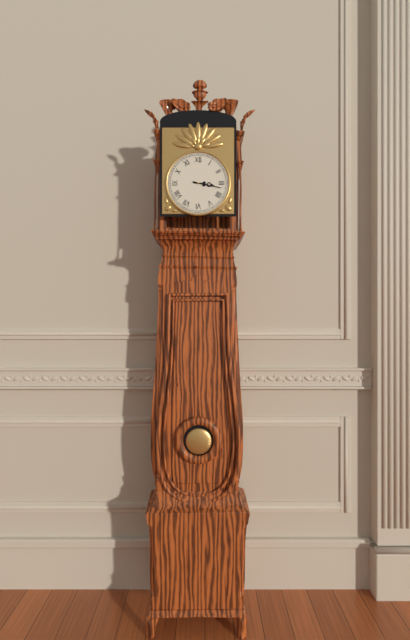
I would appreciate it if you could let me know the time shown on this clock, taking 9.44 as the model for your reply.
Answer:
3.17
